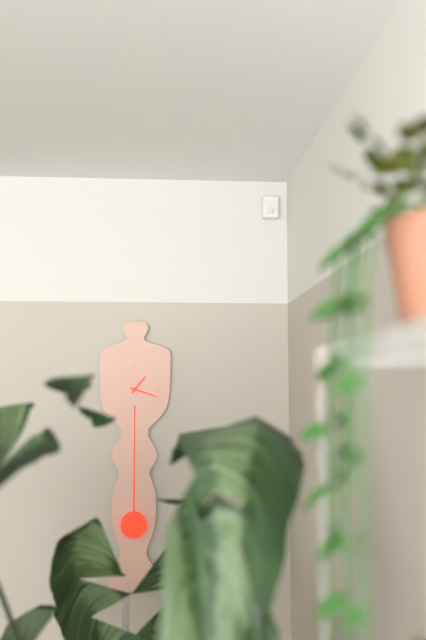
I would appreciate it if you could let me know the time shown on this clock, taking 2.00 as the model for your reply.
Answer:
1.18
